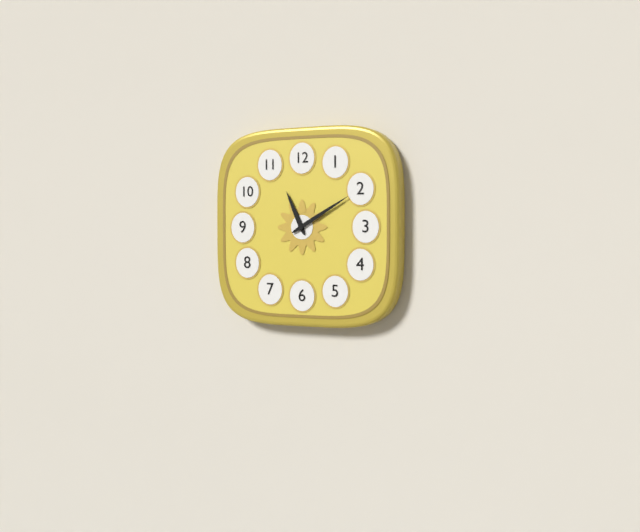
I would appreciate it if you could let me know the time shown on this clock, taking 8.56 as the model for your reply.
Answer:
11.10
